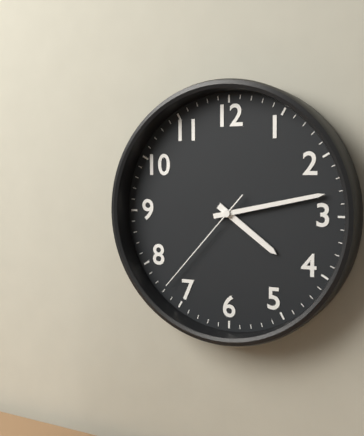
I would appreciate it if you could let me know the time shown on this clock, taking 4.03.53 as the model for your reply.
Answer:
4.13.37
